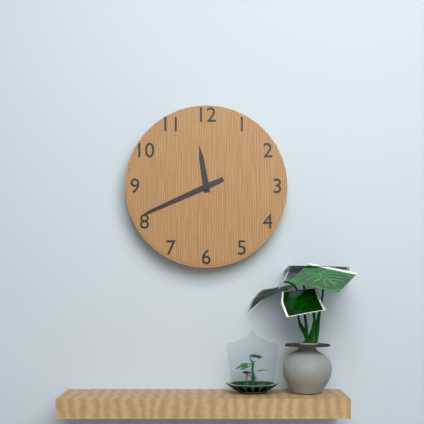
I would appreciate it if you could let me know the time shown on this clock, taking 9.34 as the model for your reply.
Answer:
11.41
